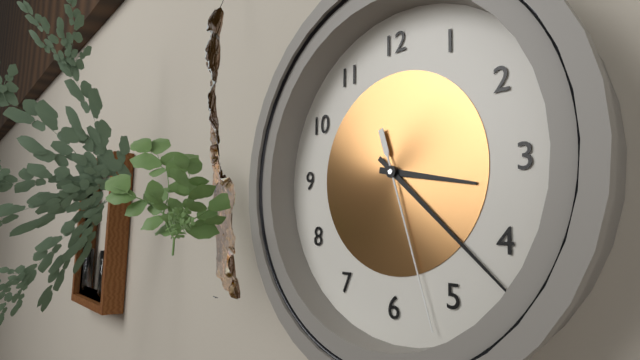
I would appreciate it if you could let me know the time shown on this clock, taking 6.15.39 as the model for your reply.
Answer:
3.22.27
